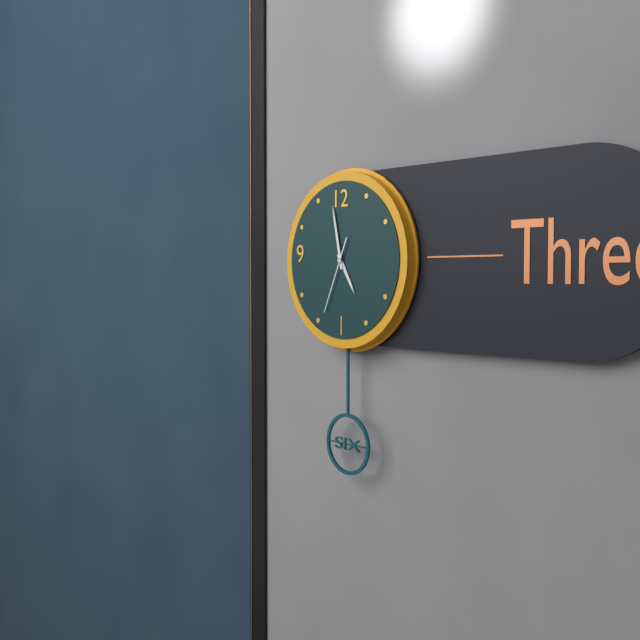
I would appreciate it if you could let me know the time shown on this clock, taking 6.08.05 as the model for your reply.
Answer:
4.58.34
